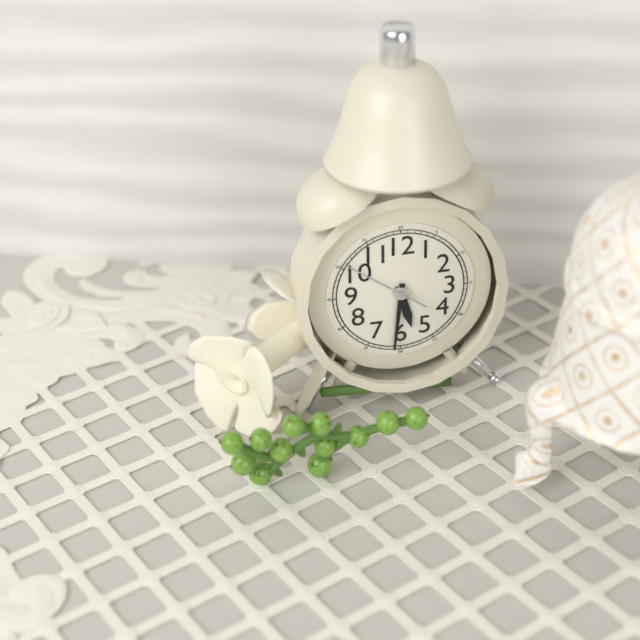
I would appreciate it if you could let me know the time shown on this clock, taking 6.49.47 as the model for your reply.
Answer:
5.31.51
